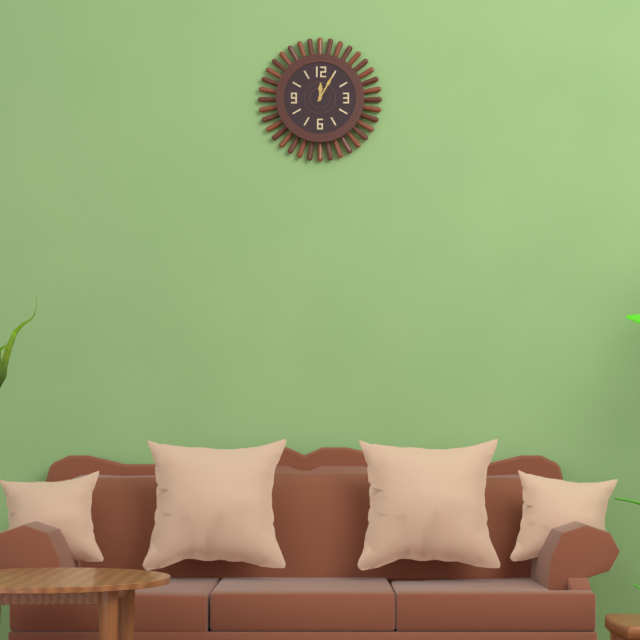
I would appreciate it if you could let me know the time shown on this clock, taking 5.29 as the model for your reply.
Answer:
12.05
